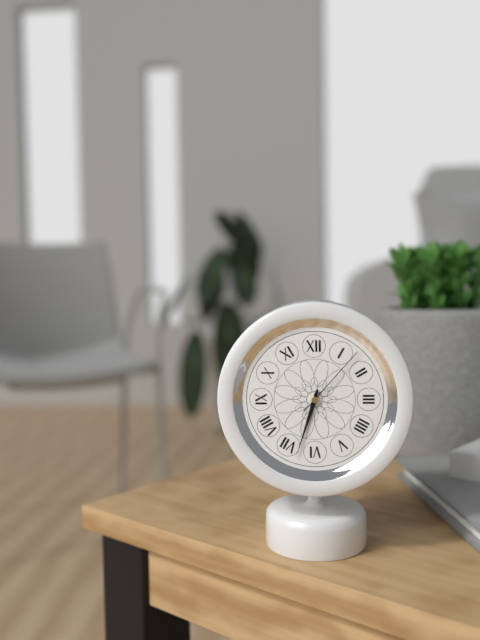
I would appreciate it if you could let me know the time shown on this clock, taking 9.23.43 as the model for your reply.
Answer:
6.33.07
